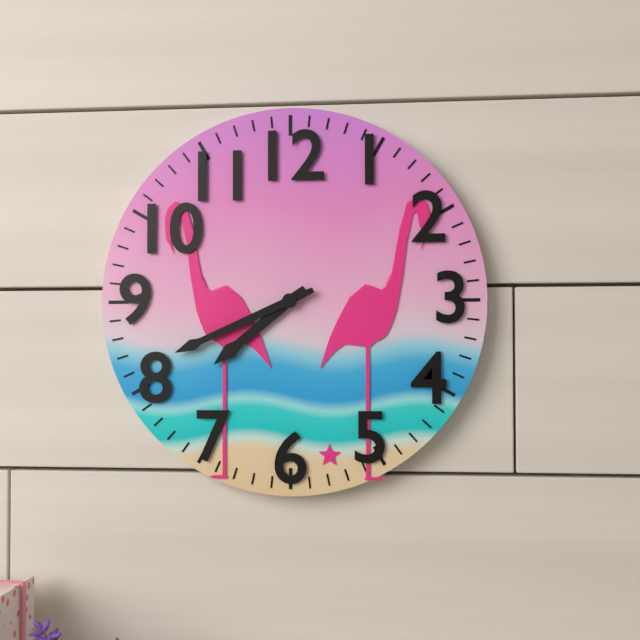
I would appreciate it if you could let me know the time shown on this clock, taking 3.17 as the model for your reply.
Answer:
7.41
